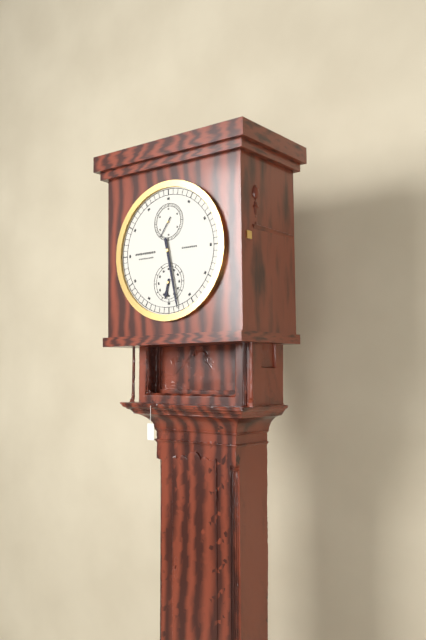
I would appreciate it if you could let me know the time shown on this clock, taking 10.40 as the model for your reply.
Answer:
6.28
